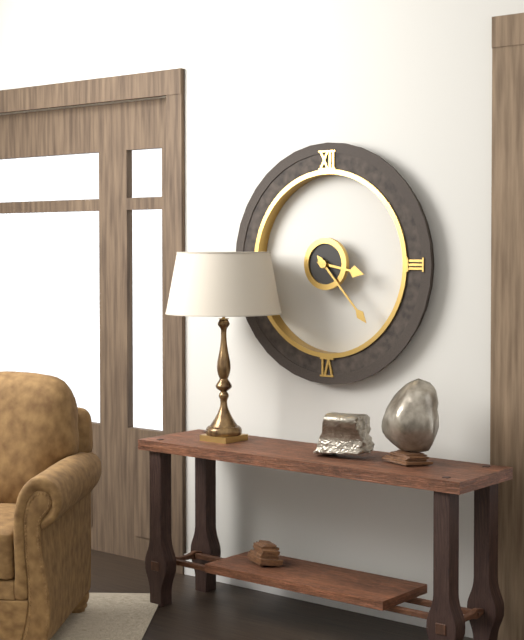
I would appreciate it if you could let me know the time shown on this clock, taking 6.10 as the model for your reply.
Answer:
3.23
